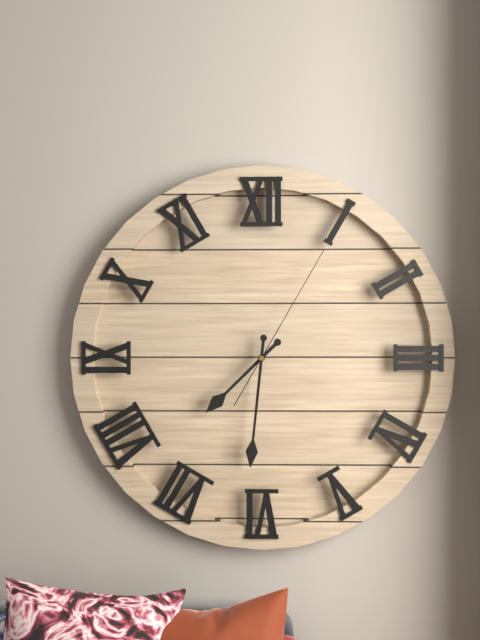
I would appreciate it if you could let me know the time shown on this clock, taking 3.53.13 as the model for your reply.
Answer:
7.31.05
